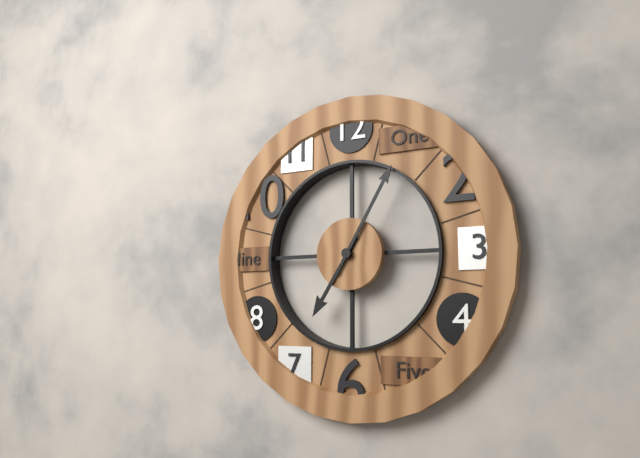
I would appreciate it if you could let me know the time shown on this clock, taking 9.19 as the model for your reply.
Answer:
7.05
